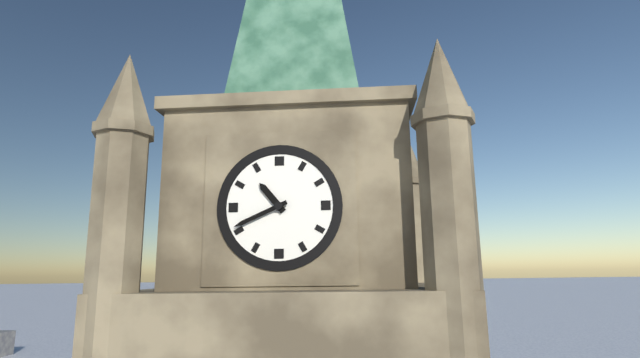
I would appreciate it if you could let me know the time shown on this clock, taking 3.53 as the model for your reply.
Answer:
10.41
